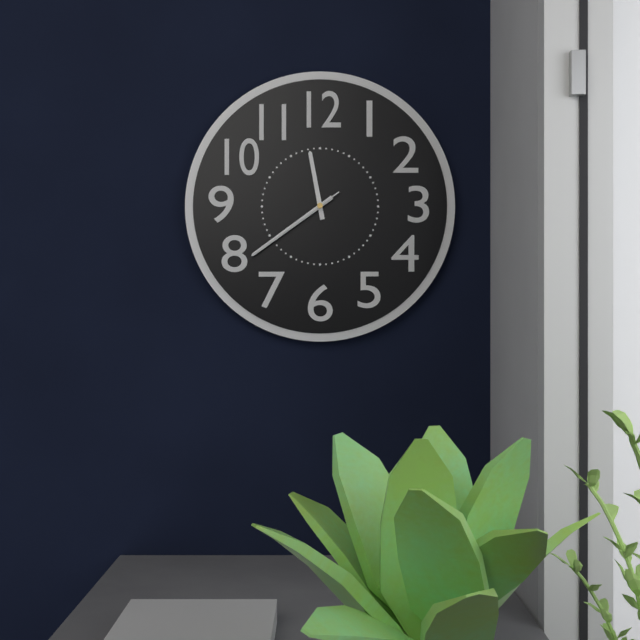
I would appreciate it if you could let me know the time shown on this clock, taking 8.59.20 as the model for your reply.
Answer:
11.39.39
